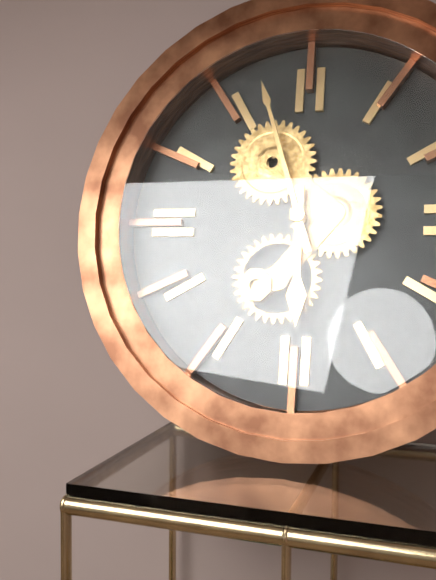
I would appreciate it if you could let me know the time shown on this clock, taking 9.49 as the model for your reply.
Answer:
5.57
